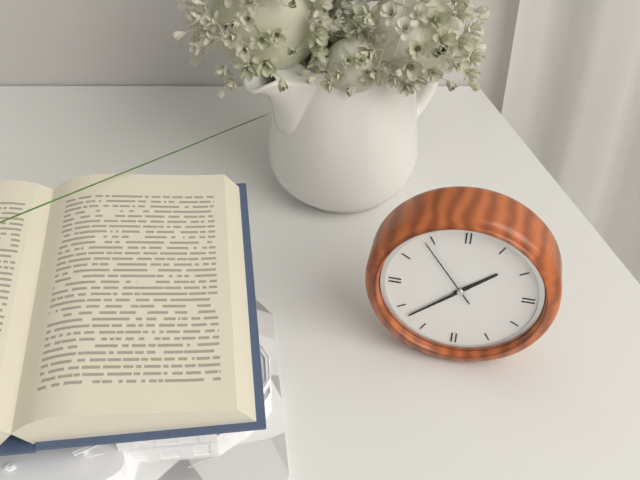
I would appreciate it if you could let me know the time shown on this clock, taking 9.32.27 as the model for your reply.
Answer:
1.38.54
